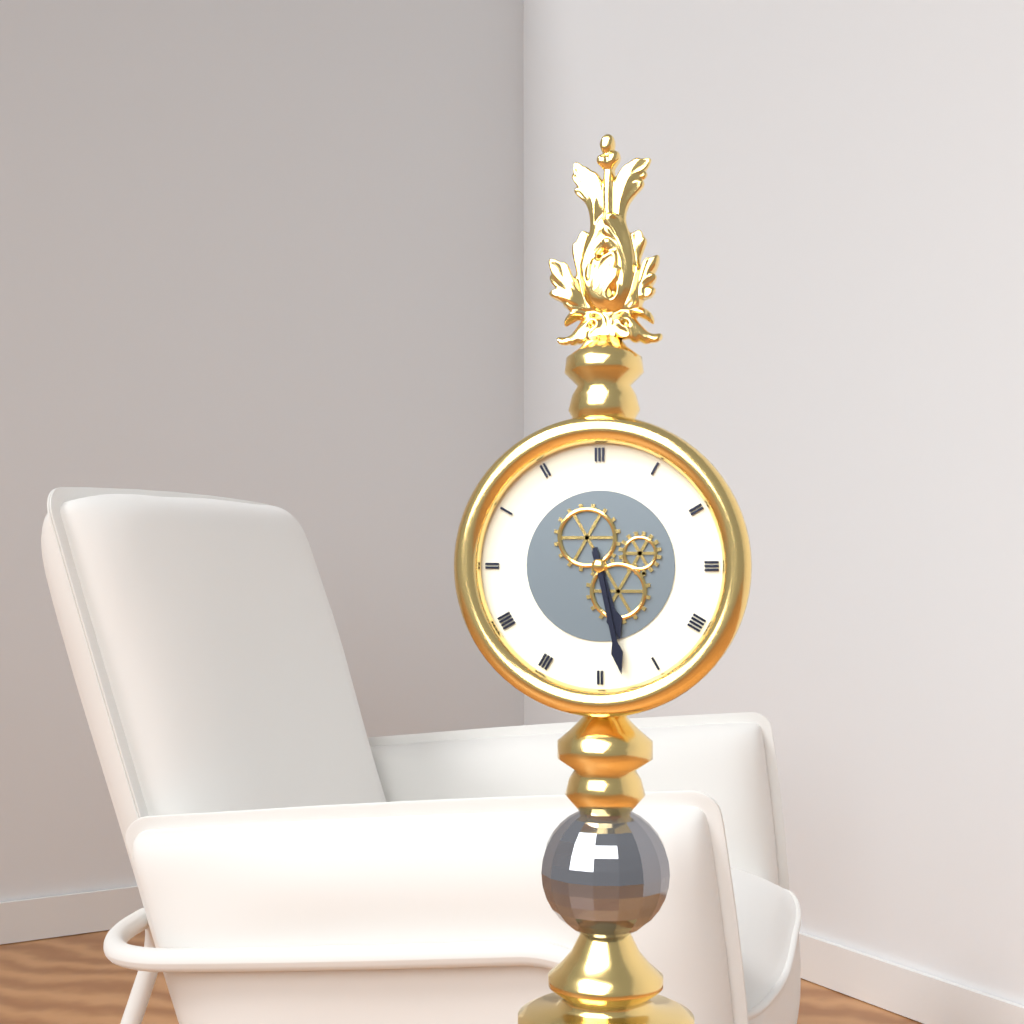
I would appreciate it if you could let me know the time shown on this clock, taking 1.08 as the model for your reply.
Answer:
5.28
